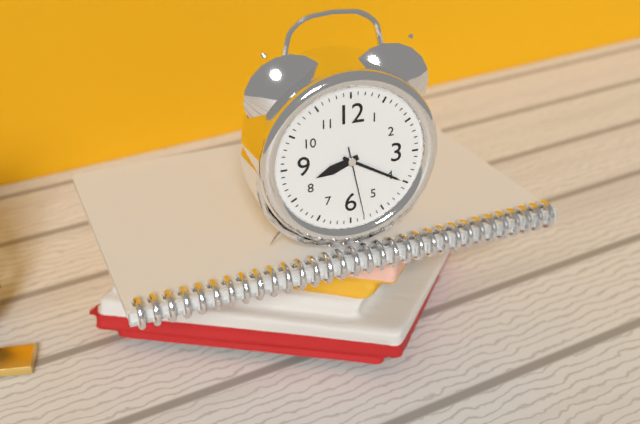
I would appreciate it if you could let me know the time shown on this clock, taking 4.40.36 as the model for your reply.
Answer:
8.20.28
